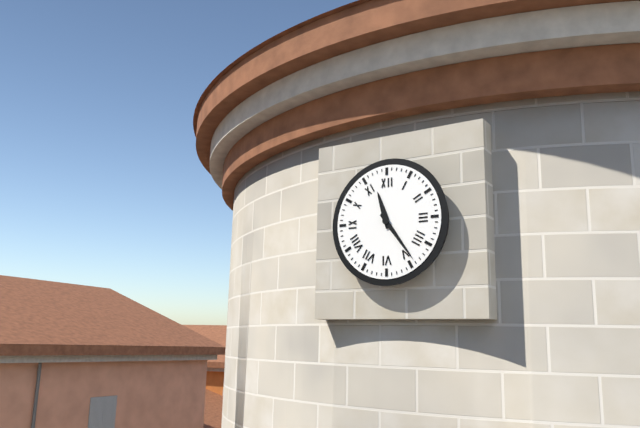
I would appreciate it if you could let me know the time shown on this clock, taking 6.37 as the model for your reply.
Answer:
11.24
